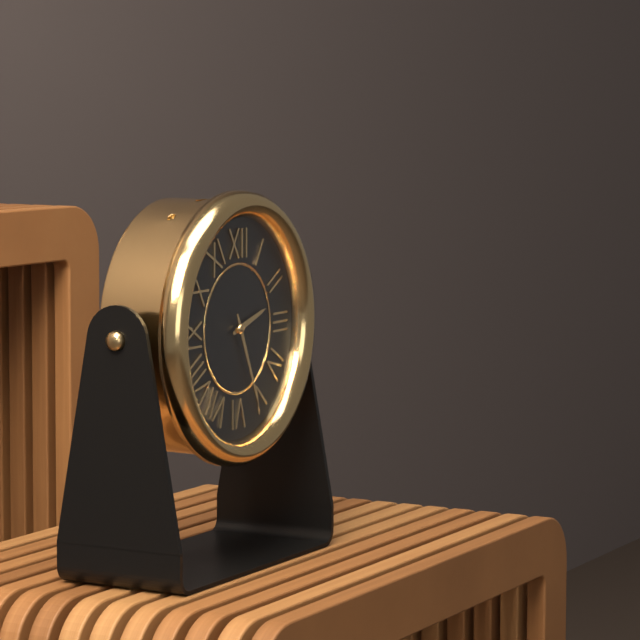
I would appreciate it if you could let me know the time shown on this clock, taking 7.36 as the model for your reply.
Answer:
2.26
